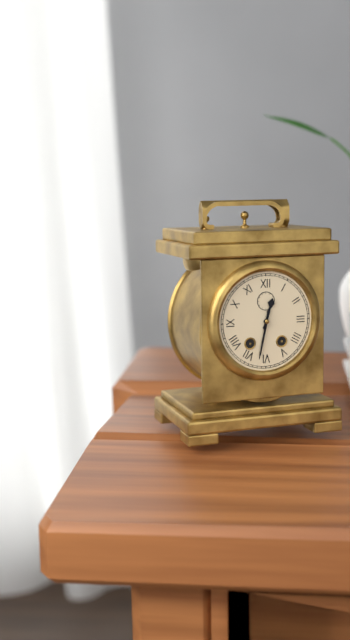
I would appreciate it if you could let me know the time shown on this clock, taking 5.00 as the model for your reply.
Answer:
12.32
